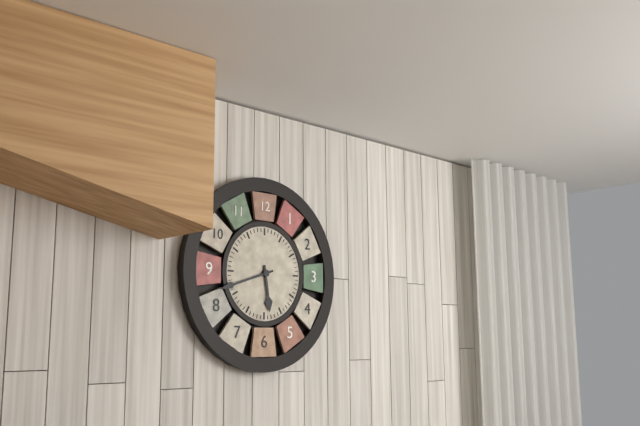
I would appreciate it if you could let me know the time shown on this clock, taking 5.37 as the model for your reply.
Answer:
5.42
